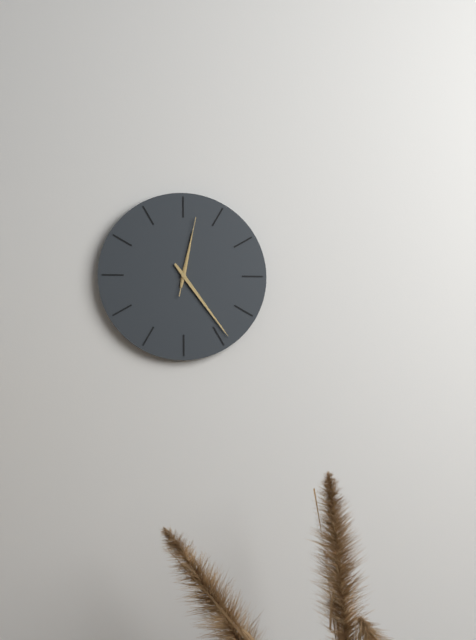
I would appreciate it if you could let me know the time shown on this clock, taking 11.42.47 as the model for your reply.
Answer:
12.24.02
